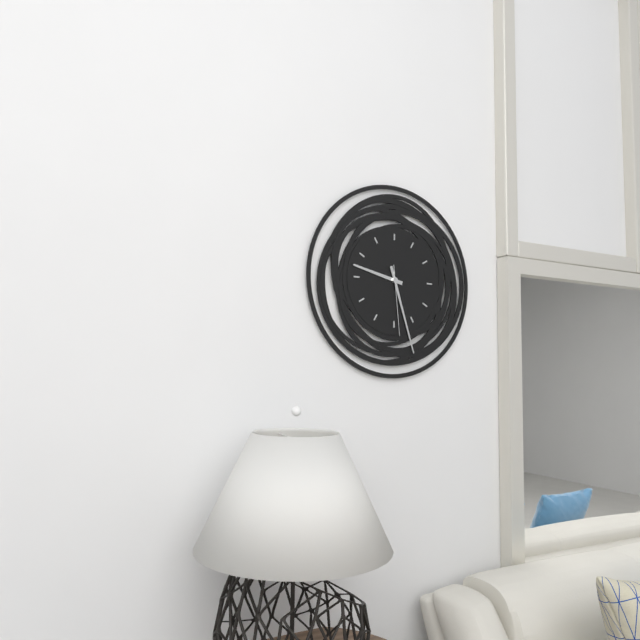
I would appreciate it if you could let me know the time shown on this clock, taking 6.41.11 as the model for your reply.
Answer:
9.27.29
